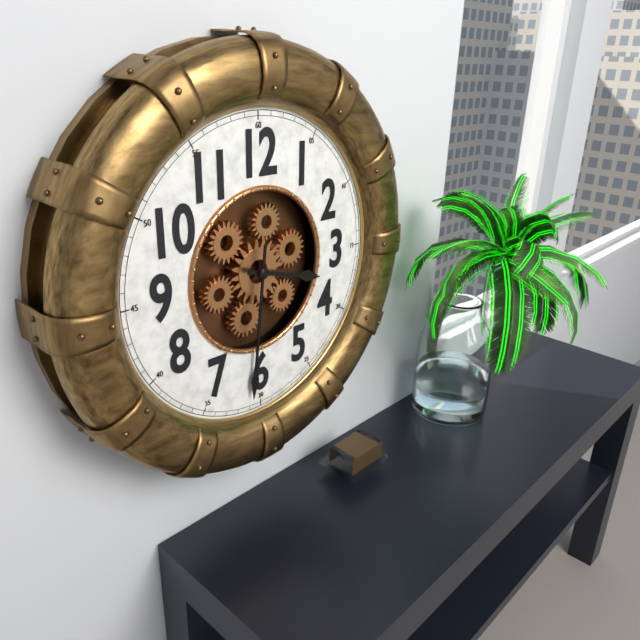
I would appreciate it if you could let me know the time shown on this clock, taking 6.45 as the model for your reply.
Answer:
3.31
